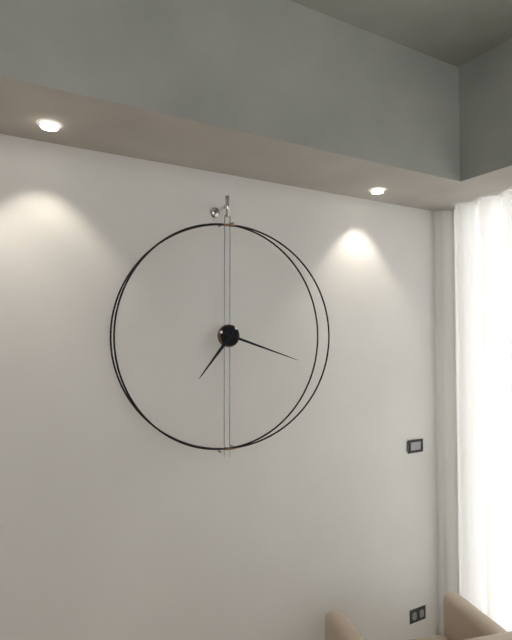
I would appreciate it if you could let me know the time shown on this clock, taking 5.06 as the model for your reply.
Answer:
7.18
